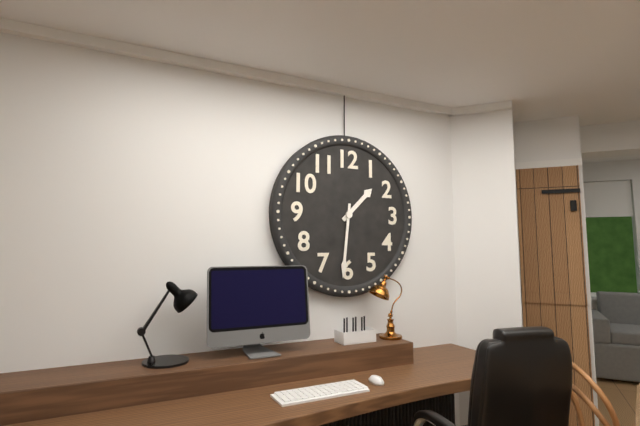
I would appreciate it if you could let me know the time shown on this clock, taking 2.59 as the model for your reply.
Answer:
1.31
